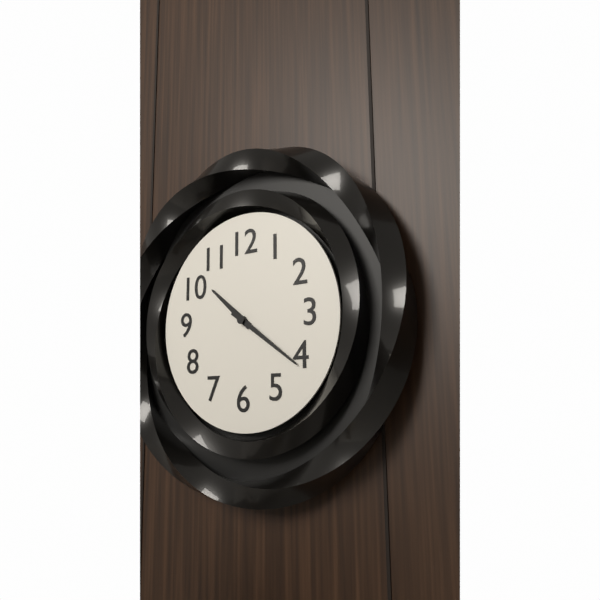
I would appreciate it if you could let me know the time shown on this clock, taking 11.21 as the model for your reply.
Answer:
10.21
